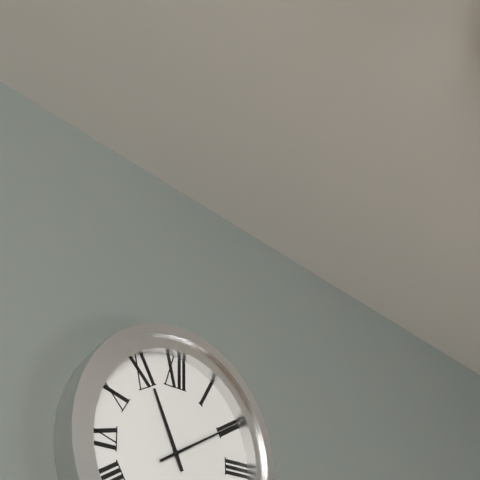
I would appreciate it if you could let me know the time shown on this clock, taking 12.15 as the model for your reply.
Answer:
11.10
